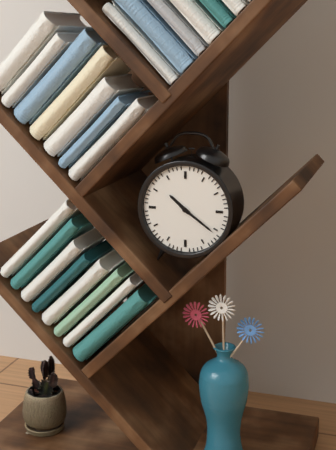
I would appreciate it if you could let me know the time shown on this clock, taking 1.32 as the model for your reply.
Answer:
10.21
